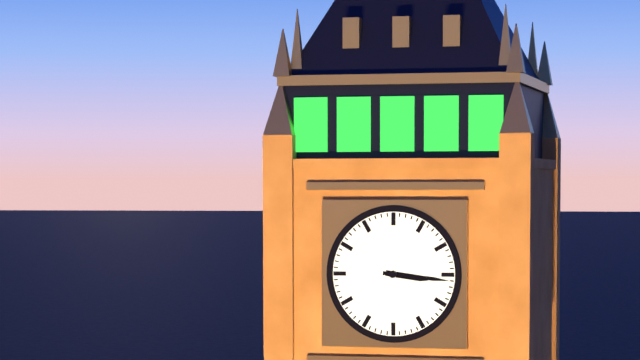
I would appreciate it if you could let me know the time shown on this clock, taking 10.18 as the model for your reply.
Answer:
3.16
